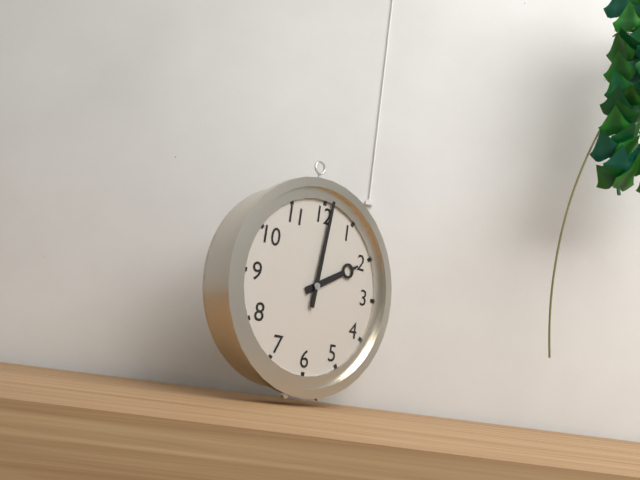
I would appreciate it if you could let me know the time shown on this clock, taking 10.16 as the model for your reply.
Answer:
2.01
